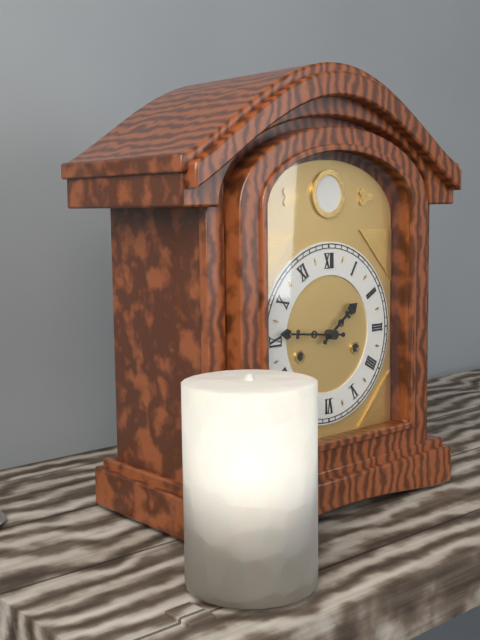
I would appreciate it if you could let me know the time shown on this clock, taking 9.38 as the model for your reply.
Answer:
1.46
